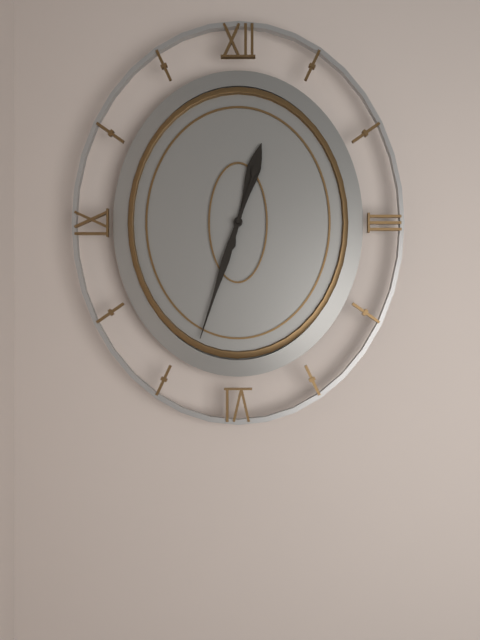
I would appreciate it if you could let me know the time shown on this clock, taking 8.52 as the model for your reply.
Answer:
12.33
